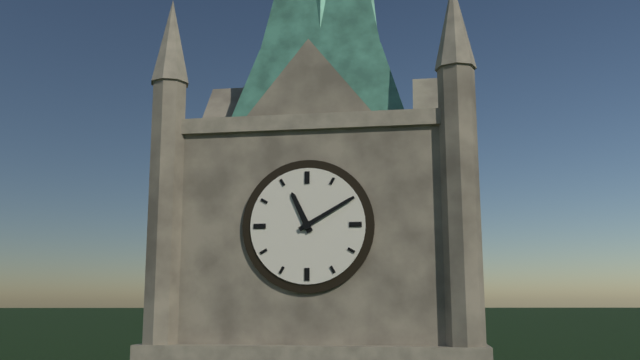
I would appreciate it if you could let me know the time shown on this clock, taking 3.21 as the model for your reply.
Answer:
11.10
